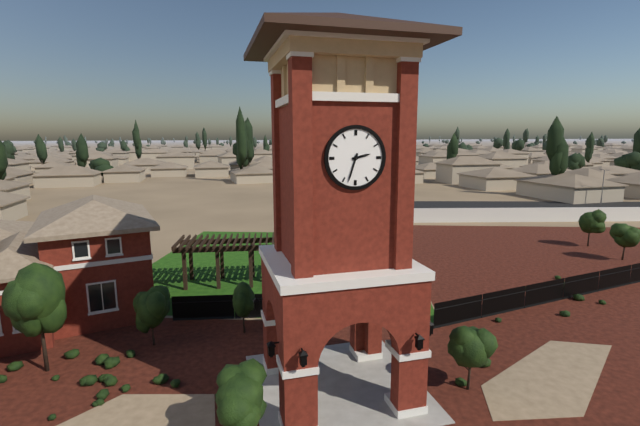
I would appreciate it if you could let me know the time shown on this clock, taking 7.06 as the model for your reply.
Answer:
2.33
